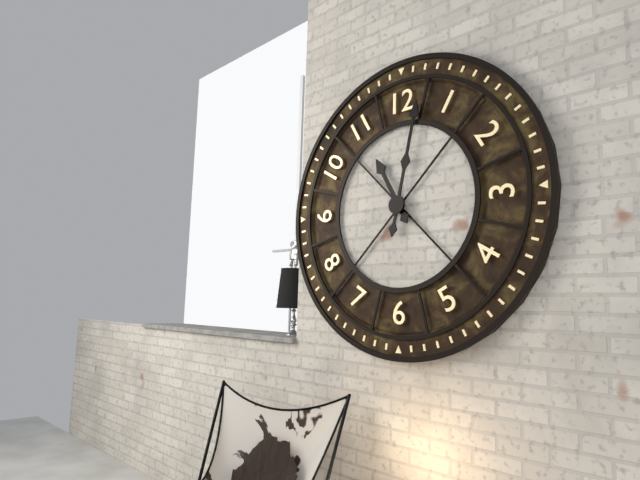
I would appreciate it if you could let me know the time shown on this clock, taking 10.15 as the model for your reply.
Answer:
11.02
